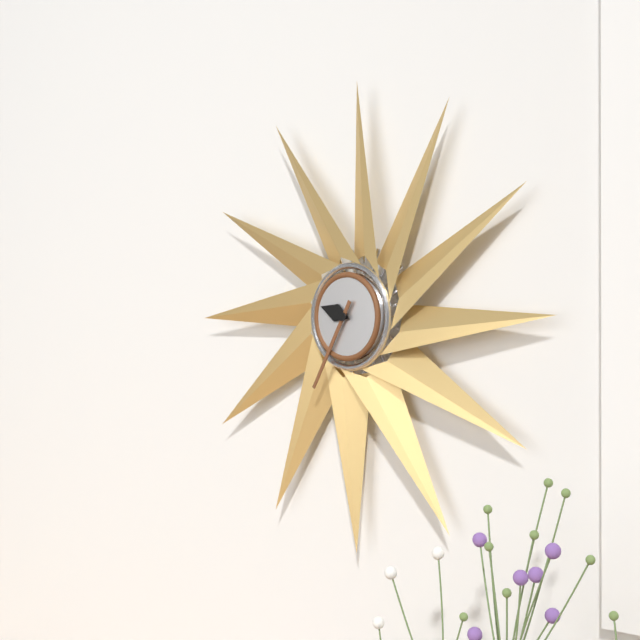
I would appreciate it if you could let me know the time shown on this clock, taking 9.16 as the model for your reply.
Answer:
9.35
